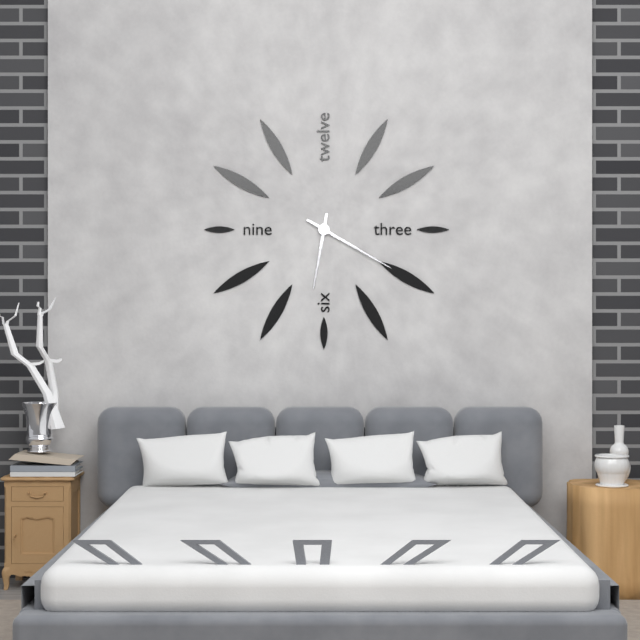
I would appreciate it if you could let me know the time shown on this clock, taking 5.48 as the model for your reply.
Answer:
6.20
